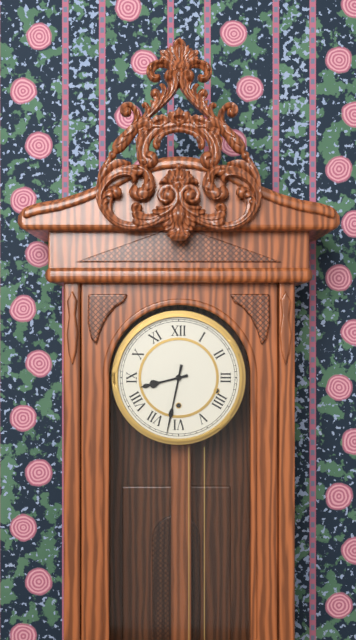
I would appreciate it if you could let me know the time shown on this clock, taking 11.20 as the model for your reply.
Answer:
8.32
